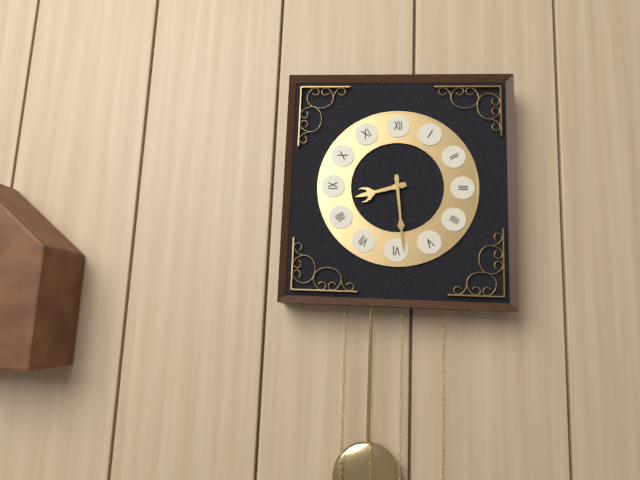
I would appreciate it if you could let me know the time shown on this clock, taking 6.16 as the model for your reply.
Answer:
8.29
